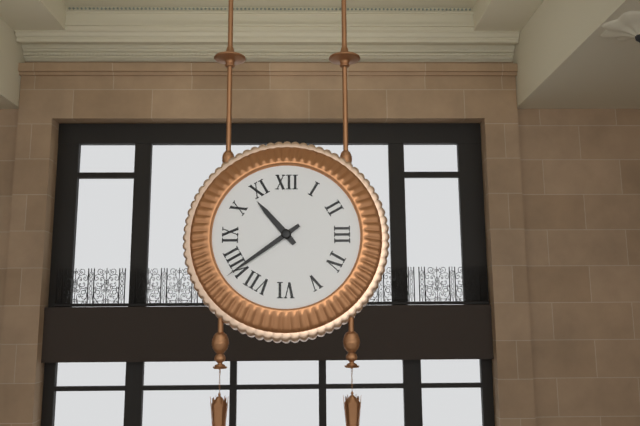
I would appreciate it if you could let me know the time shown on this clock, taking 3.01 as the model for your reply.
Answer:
10.39
